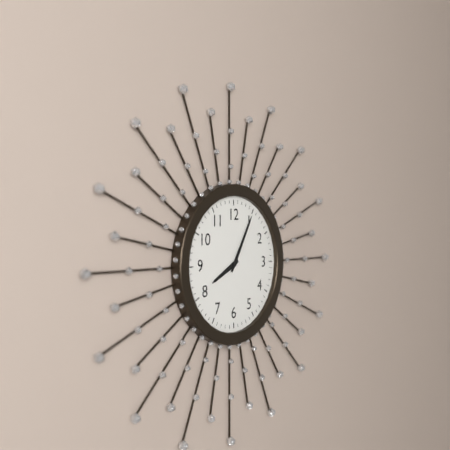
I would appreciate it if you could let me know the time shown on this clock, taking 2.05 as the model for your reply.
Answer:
8.05
